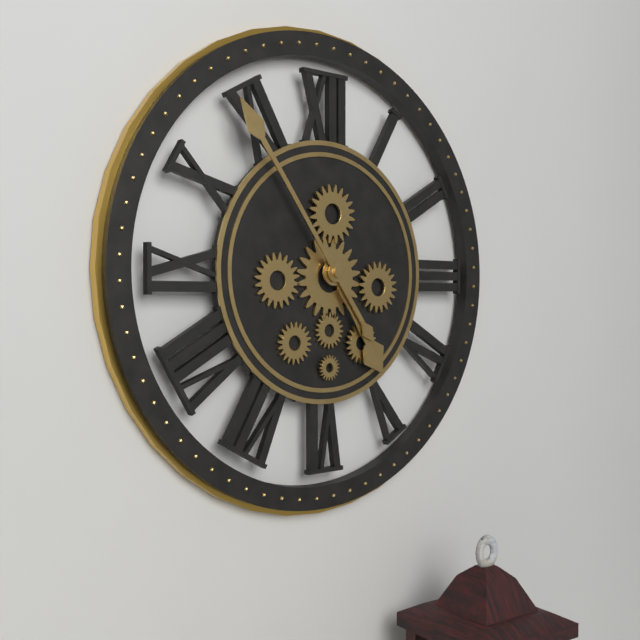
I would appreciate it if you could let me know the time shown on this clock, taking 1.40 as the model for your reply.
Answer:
4.54
